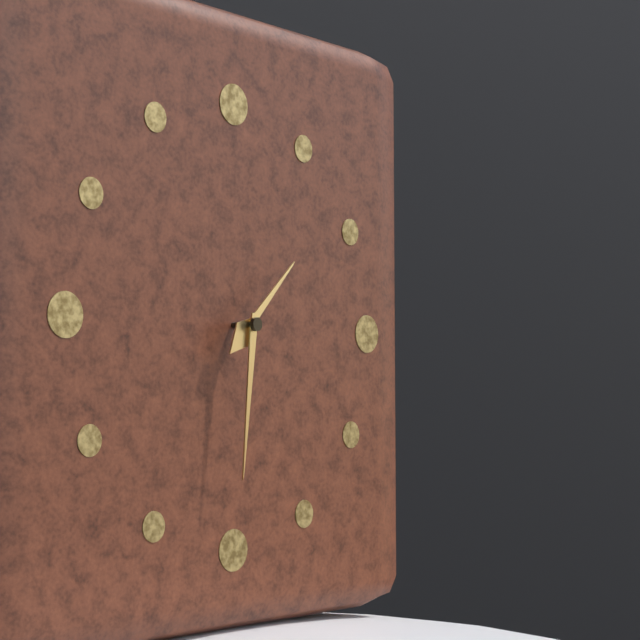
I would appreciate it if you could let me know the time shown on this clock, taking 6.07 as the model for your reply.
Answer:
1.31
